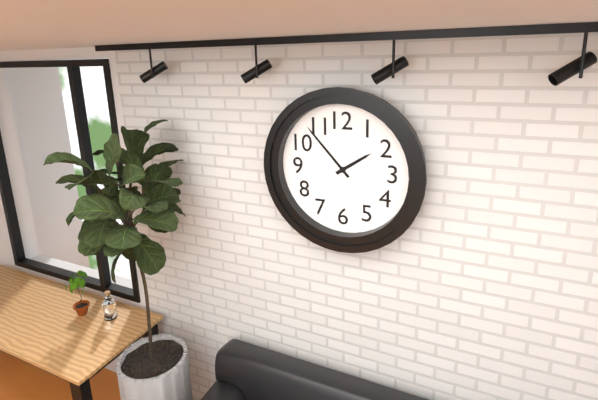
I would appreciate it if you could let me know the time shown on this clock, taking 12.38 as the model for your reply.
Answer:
1.53
